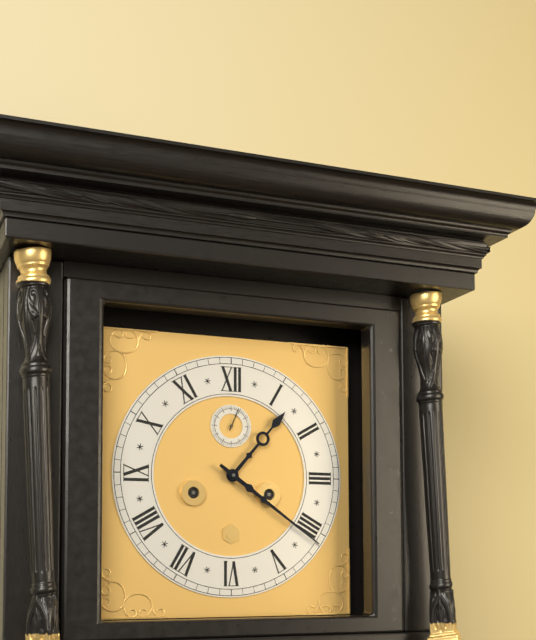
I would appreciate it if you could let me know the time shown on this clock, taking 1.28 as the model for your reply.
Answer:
1.21
